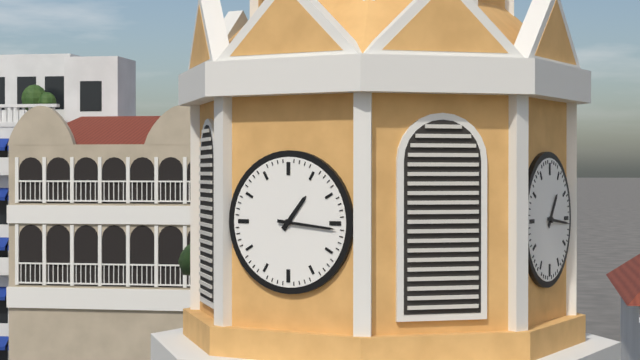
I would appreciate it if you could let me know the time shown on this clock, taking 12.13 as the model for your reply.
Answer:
1.16
